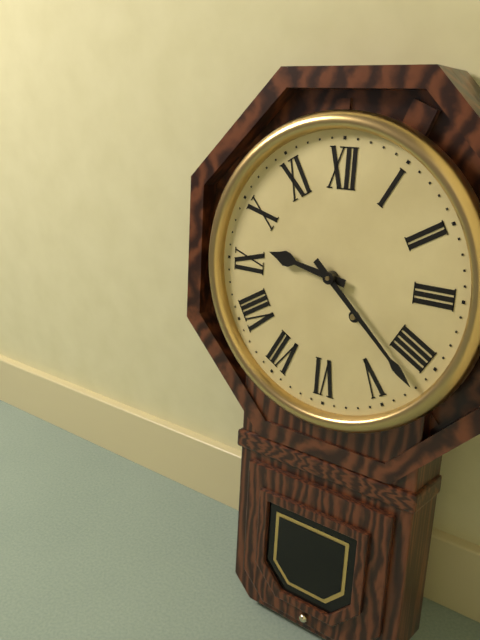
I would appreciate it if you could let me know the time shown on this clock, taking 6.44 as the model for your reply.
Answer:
9.22
